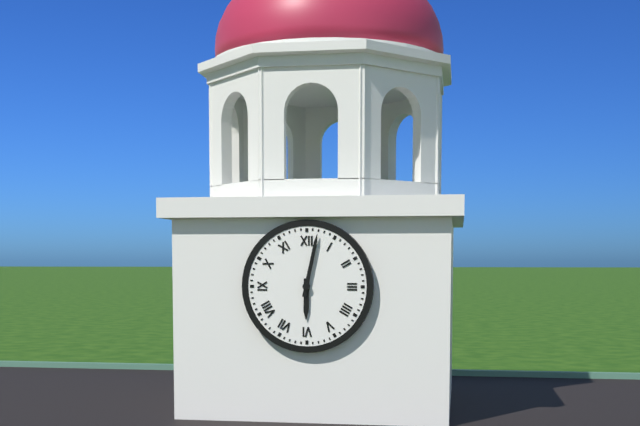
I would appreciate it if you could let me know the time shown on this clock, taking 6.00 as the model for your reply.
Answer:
6.02
